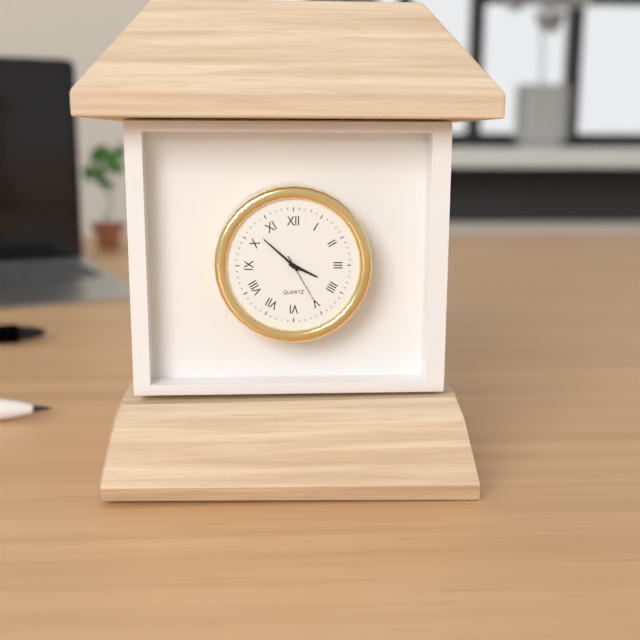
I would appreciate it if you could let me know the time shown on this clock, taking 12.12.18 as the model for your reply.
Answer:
3.52.25
